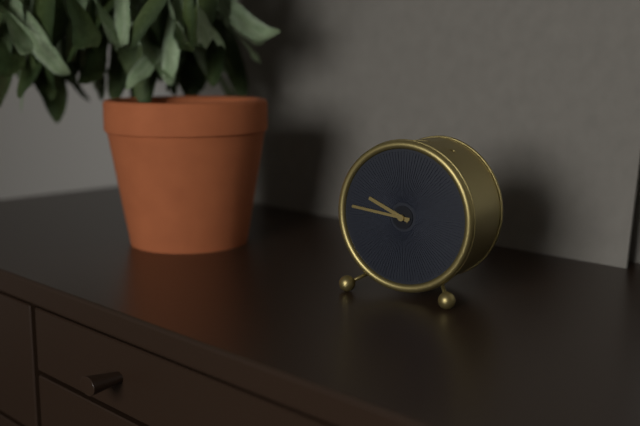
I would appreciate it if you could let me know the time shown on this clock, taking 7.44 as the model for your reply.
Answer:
9.46
